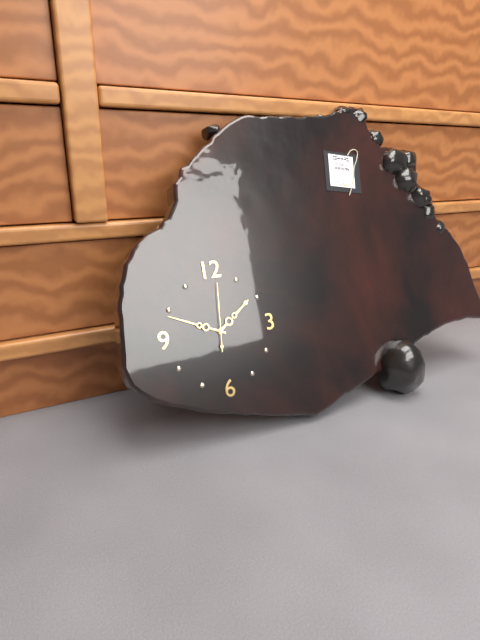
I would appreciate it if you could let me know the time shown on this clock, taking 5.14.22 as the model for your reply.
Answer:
1.49.01
